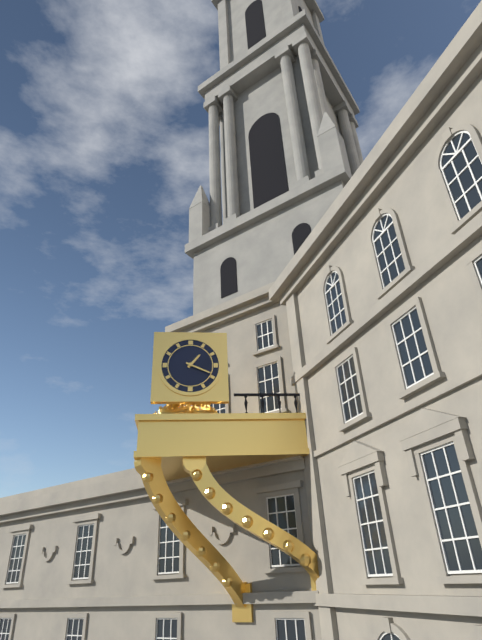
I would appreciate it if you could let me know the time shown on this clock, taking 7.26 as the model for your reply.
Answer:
1.19
